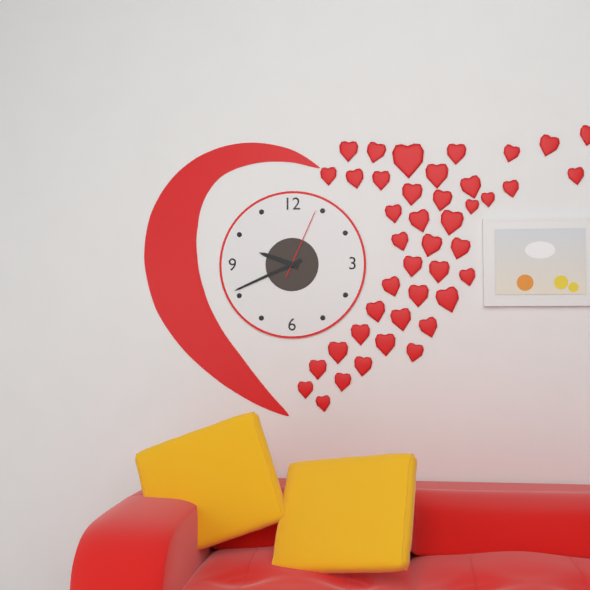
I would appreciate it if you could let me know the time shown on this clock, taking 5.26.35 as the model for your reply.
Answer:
9.41.04
